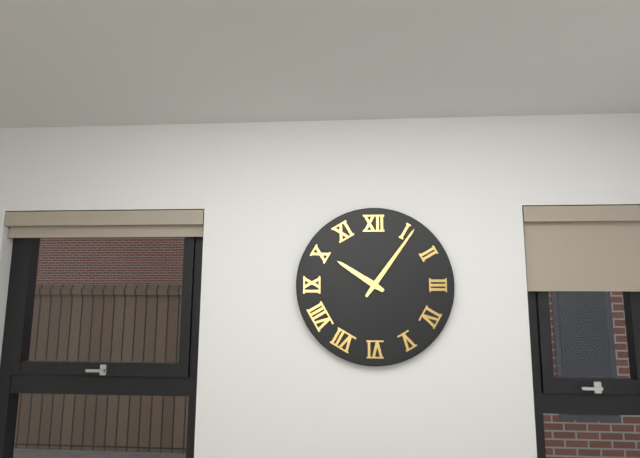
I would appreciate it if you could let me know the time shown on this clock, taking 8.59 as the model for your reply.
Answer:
10.06
